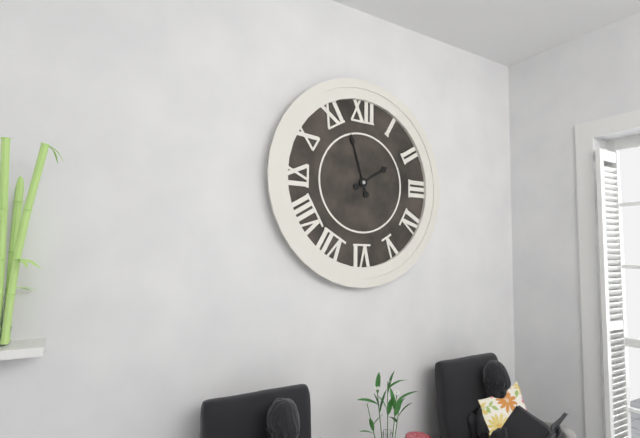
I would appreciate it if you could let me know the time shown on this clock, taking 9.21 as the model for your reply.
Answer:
1.57
